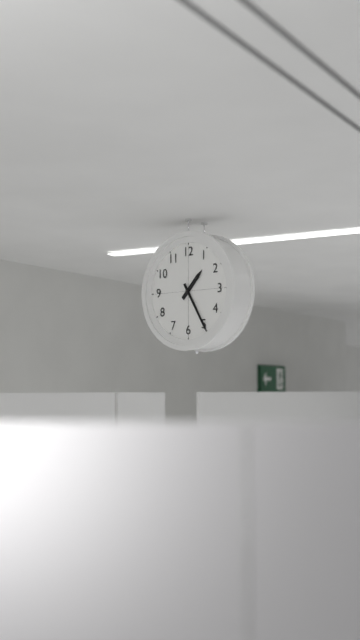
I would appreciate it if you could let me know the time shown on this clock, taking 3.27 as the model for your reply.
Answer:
1.25
